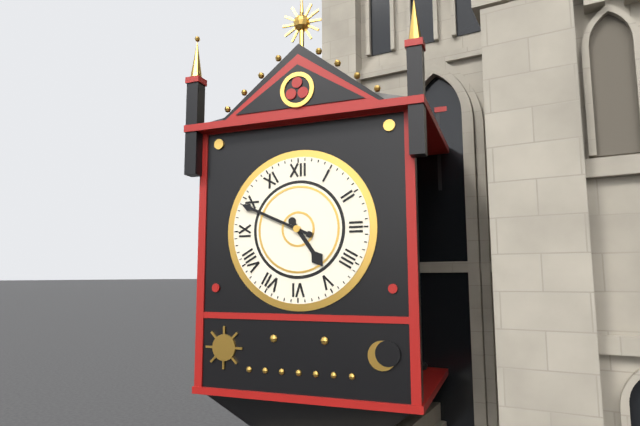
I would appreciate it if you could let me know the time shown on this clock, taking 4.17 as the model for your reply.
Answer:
4.49
